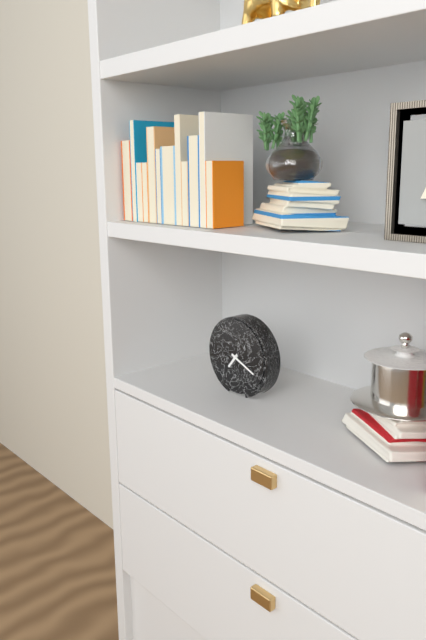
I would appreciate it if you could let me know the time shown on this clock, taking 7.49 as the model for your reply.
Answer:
7.19
